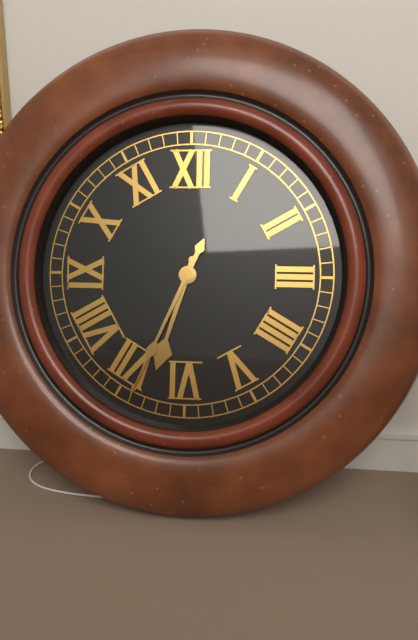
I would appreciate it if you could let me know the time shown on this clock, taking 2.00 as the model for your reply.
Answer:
6.34
